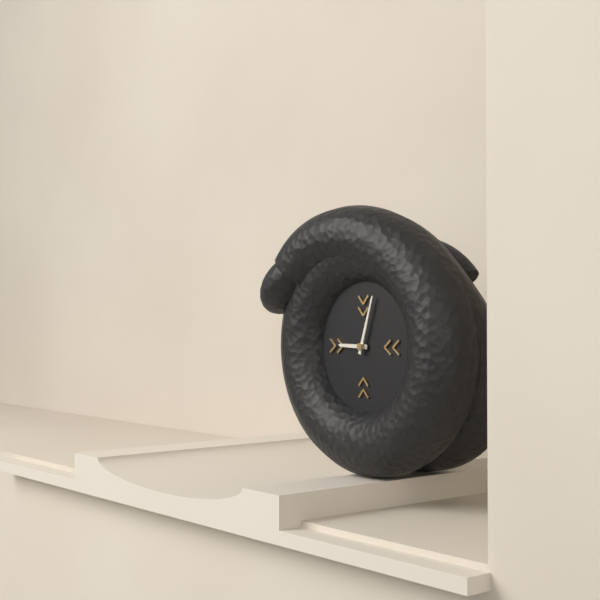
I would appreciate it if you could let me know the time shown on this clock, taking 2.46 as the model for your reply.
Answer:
9.03
